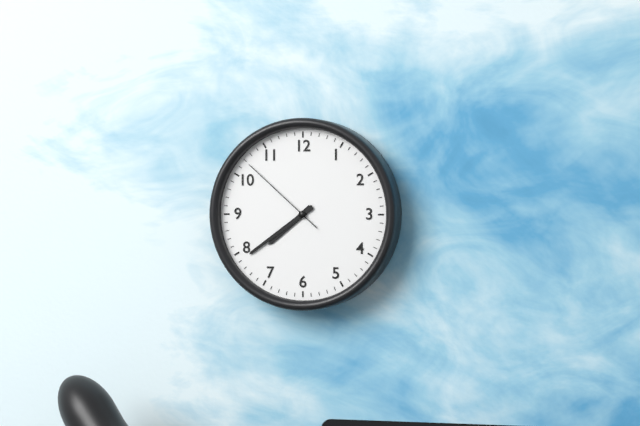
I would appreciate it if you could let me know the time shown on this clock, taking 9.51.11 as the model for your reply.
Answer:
7.39.52
